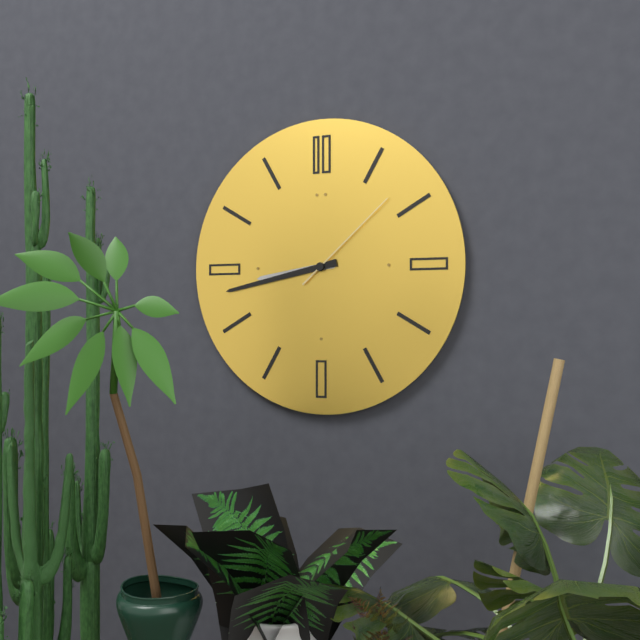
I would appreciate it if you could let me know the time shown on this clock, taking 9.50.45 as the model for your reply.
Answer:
8.43.08
